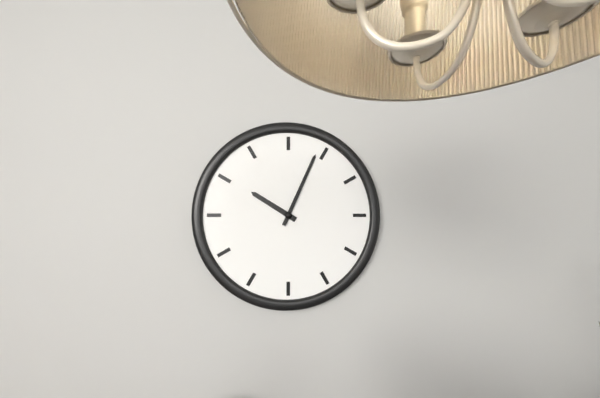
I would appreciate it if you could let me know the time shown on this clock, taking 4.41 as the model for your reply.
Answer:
10.04
